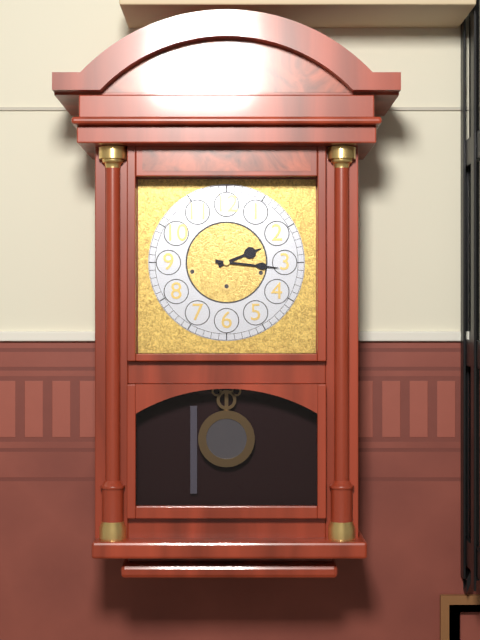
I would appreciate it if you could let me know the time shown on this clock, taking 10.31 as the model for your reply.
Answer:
2.16
